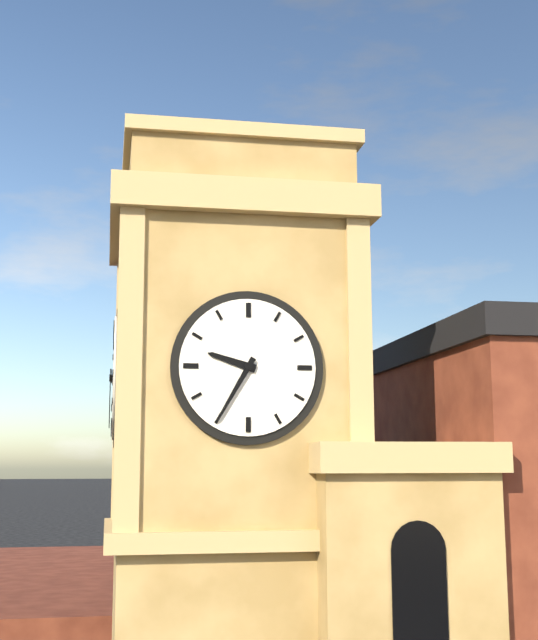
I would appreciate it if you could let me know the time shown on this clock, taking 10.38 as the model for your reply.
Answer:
9.35
